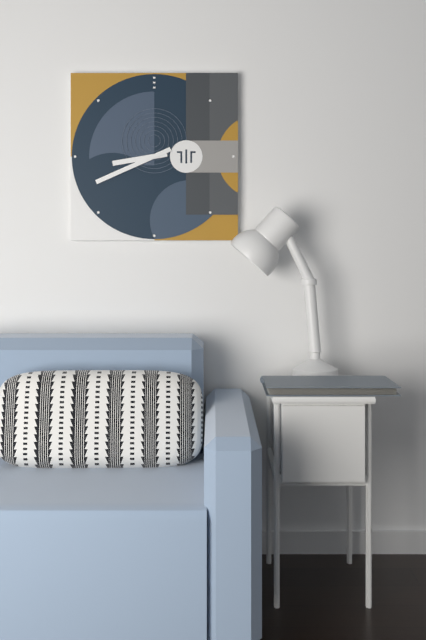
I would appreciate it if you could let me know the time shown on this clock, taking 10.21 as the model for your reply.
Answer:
8.41
